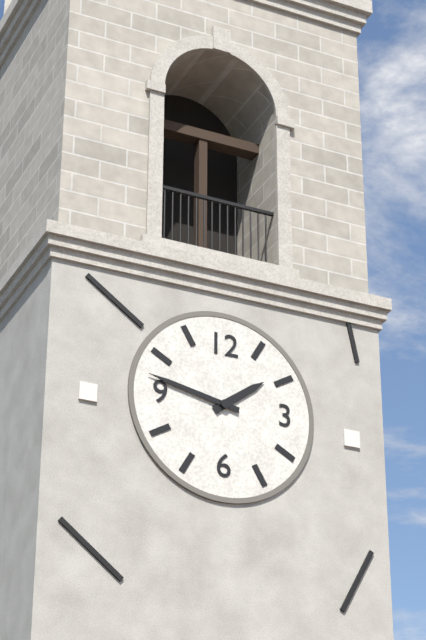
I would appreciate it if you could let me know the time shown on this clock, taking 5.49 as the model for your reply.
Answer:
1.47
